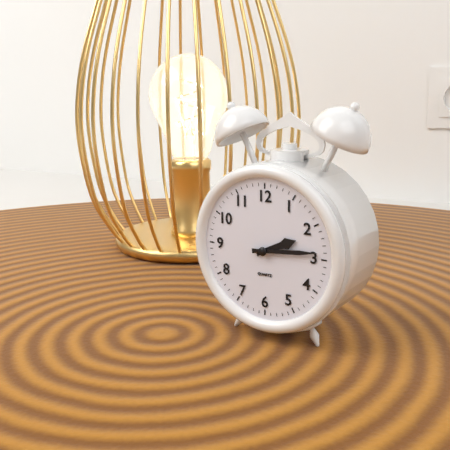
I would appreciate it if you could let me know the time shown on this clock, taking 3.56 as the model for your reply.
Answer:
2.14
